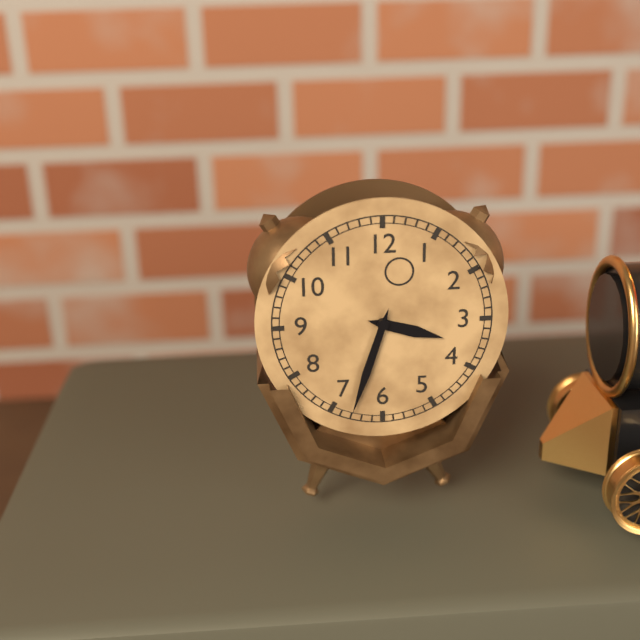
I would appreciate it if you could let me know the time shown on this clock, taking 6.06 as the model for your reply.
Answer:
3.33
